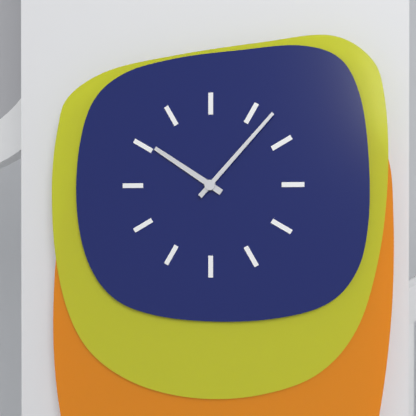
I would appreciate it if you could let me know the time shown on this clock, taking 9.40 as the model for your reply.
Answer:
10.07
